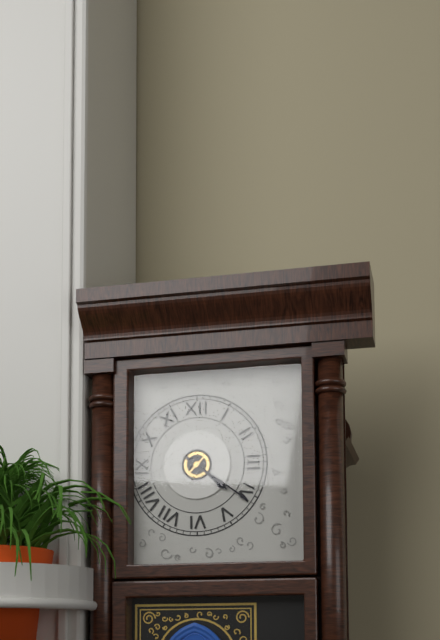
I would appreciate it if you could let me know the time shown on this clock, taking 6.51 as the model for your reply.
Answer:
4.21
